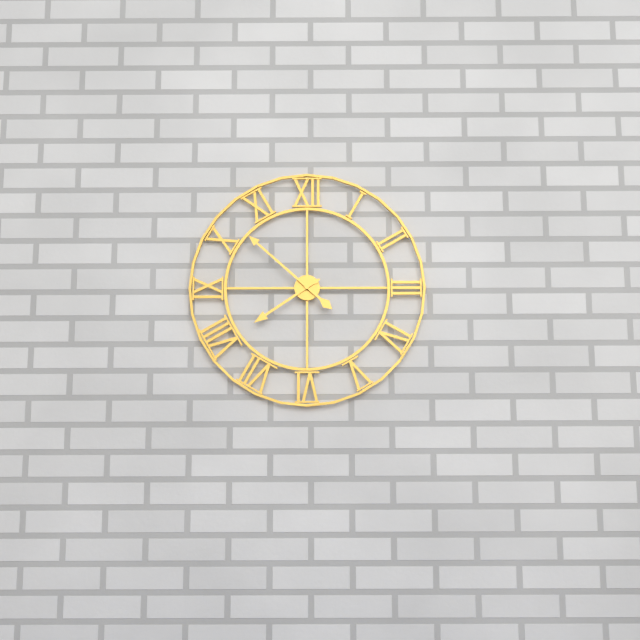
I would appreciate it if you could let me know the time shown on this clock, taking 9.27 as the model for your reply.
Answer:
7.52
